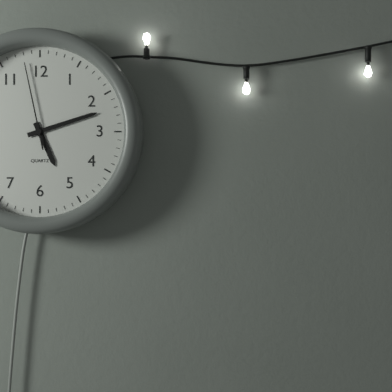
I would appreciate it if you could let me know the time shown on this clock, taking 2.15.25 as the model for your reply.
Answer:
5.12.58
